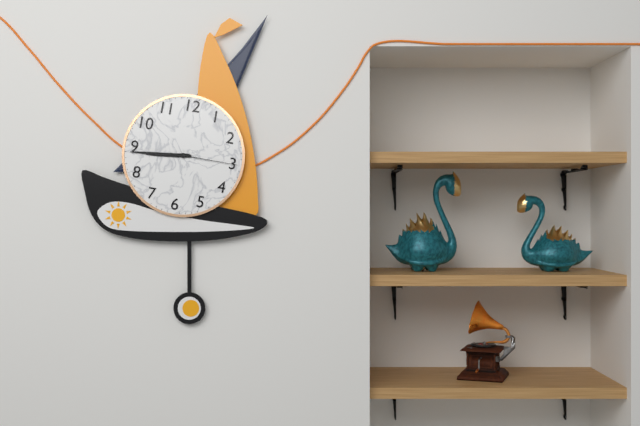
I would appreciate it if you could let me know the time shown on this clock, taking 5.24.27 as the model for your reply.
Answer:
8.44.15
